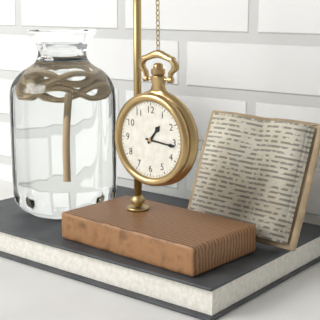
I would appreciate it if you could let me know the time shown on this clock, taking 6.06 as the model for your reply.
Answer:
1.16
